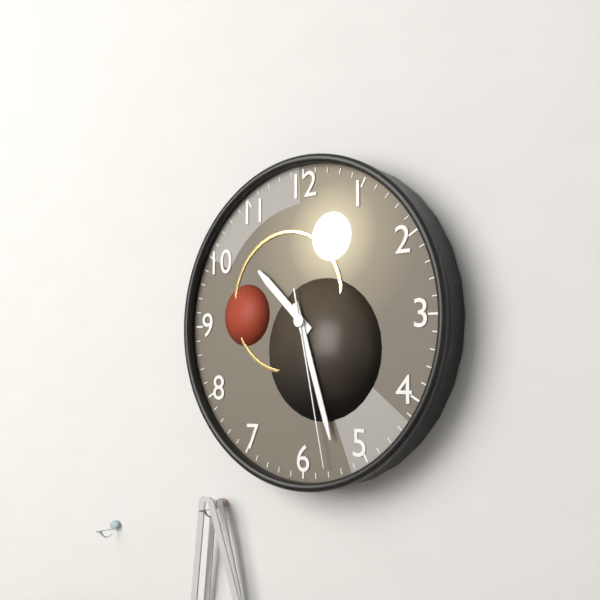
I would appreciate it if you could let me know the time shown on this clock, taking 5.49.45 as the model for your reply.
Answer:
10.27.28
